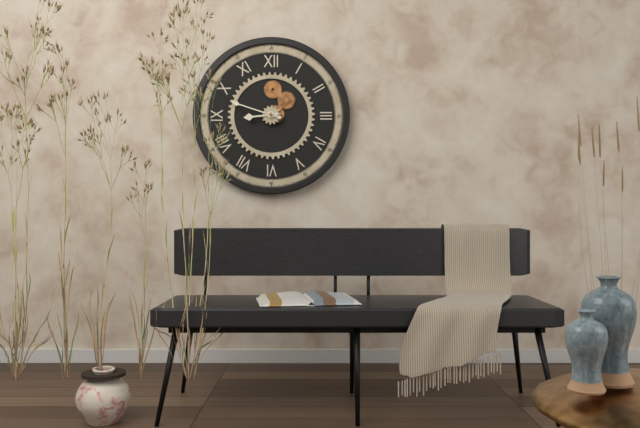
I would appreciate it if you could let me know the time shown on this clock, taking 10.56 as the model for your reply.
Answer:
8.48
